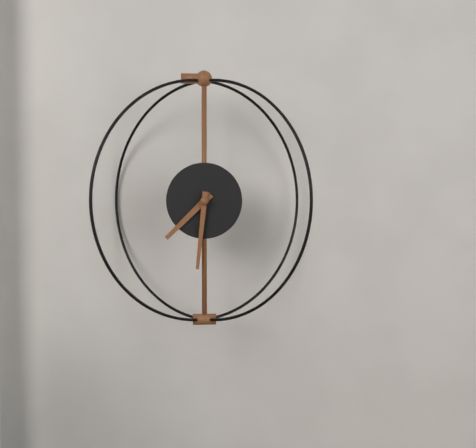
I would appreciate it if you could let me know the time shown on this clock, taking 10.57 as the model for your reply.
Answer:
7.31
